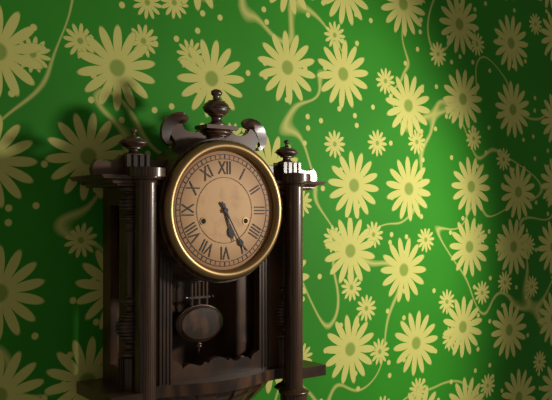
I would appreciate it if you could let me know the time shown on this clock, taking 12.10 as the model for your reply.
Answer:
5.25
